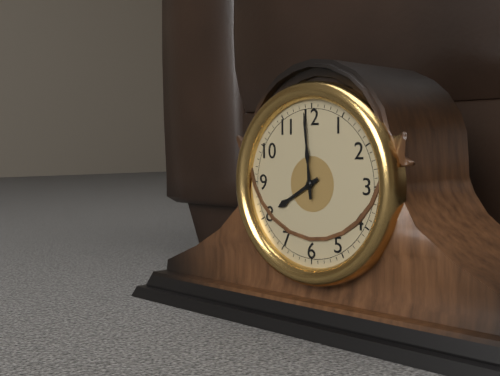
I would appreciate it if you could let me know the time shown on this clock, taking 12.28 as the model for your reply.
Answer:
7.59
